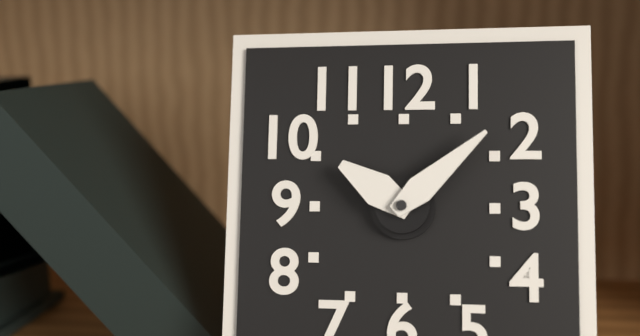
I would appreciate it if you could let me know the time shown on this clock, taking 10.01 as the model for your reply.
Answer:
10.08
